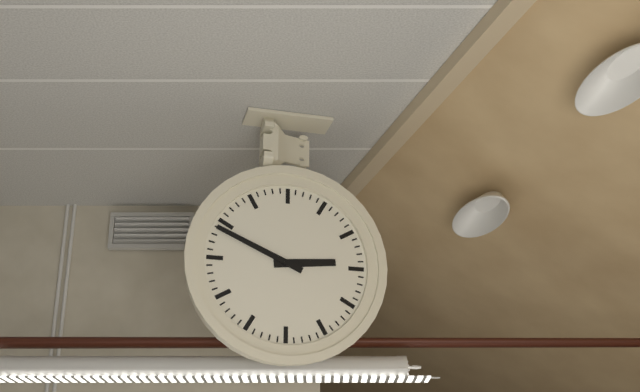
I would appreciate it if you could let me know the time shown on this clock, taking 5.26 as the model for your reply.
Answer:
2.49
